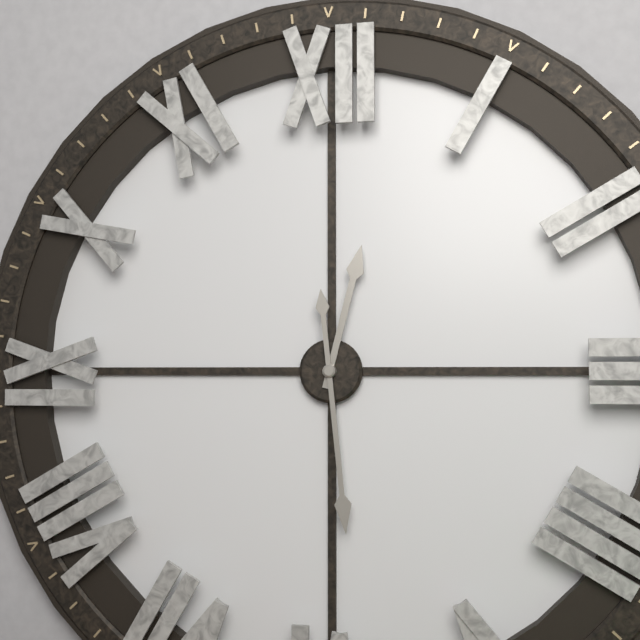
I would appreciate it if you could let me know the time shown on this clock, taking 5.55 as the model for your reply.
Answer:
12.29
